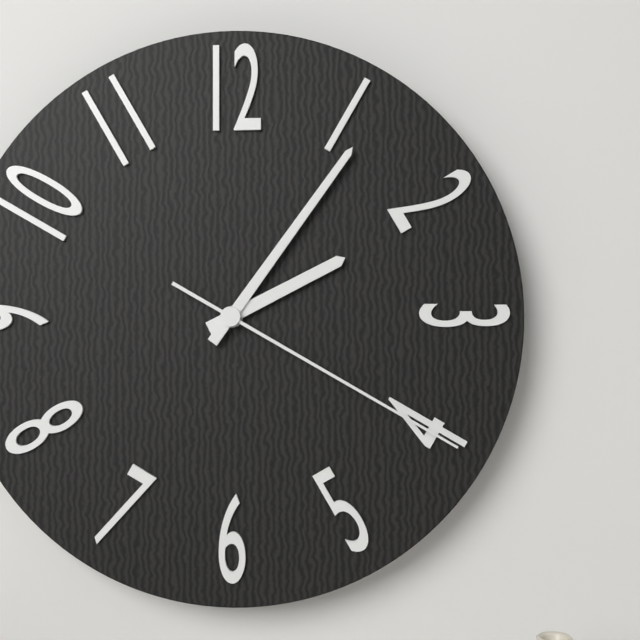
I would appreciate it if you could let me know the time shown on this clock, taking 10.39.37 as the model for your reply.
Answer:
2.06.20
